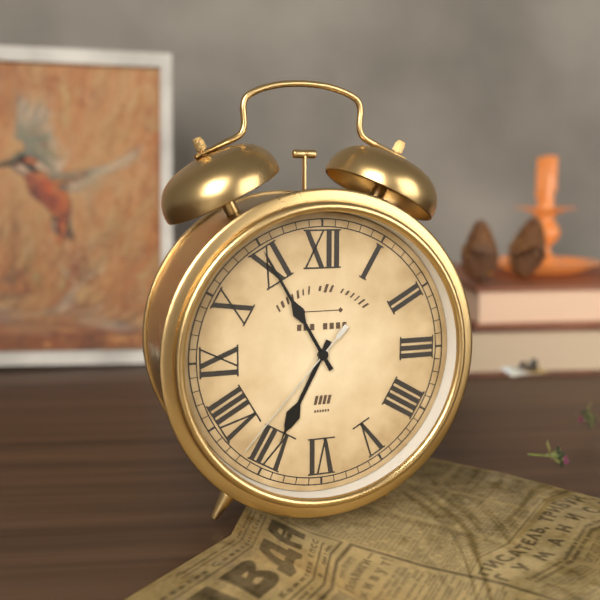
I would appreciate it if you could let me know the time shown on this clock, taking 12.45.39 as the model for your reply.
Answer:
6.55.37
